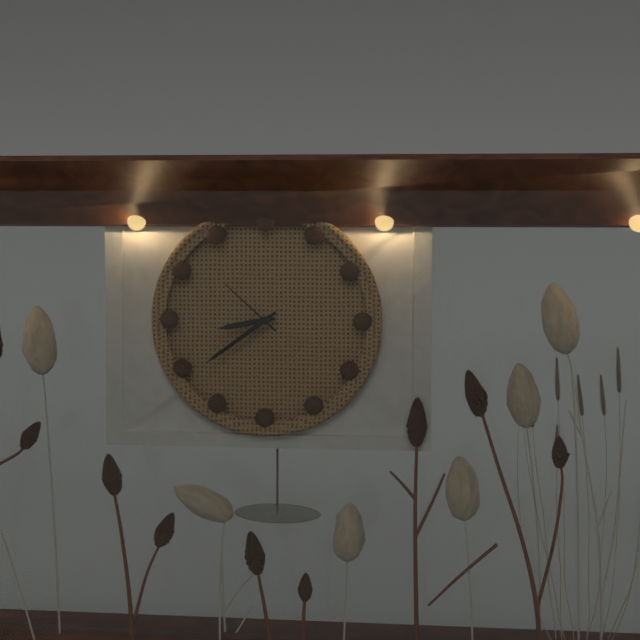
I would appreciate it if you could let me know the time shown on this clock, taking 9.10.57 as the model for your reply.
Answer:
8.39.52
